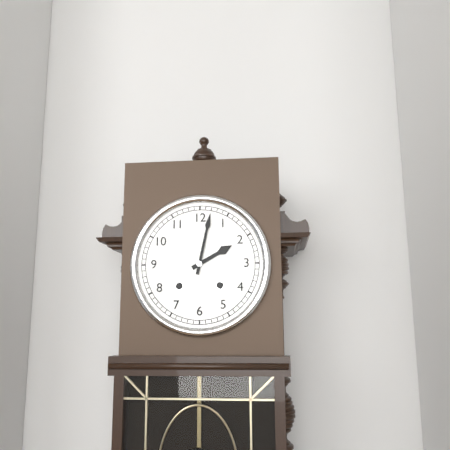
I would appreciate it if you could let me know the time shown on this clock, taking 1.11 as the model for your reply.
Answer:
2.02
